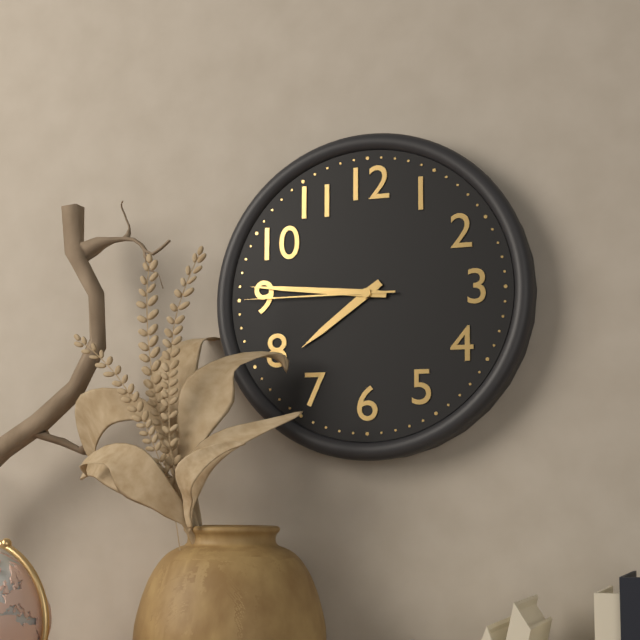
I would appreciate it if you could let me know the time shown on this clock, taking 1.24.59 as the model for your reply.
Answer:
7.46.45
